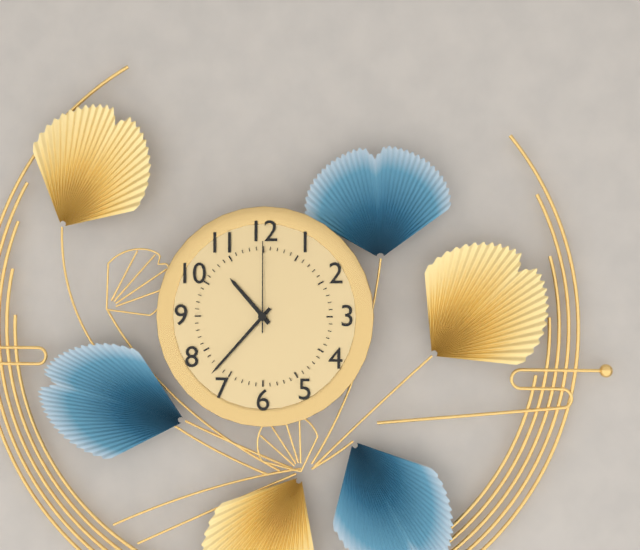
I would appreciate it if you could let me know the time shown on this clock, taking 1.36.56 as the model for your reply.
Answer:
10.37.00
